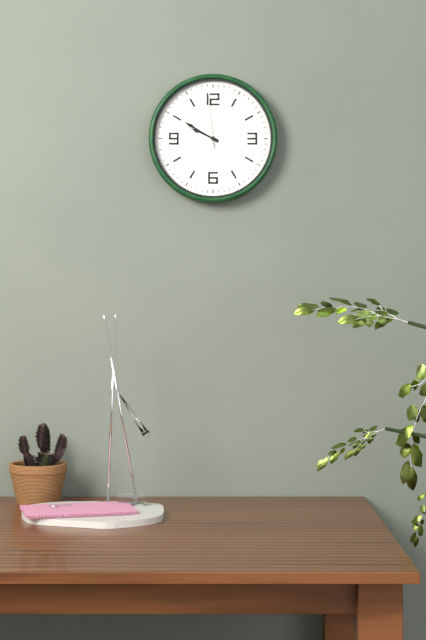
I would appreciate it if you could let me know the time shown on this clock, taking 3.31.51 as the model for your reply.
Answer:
9.50.59
